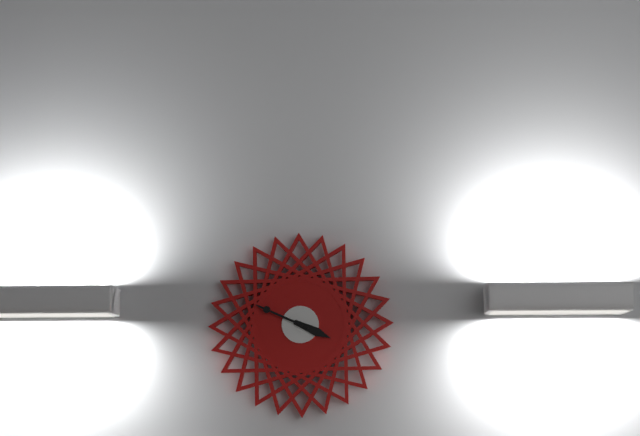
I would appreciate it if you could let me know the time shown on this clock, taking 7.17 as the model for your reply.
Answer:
3.49
